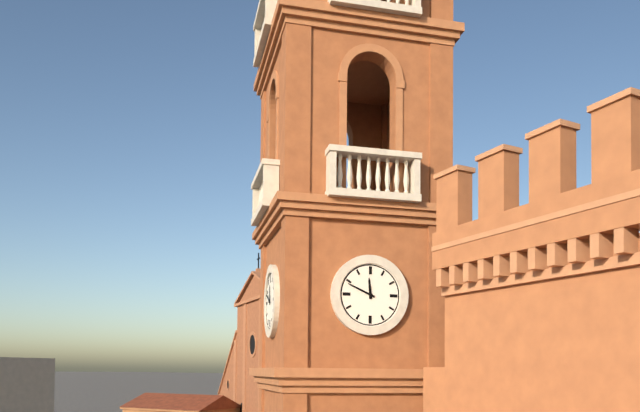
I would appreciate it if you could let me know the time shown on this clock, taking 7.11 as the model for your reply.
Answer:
11.49
